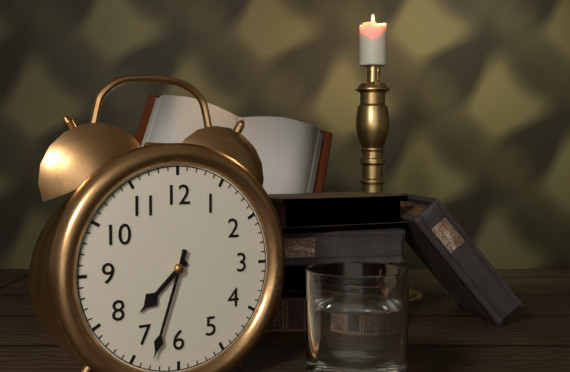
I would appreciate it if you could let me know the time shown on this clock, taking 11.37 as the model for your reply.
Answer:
7.33
